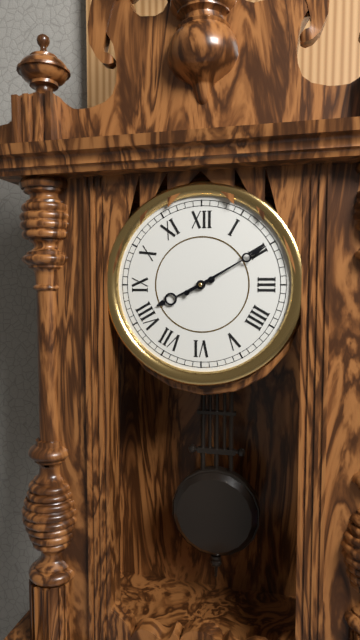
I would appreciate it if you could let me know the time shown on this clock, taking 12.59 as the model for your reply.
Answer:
8.10
